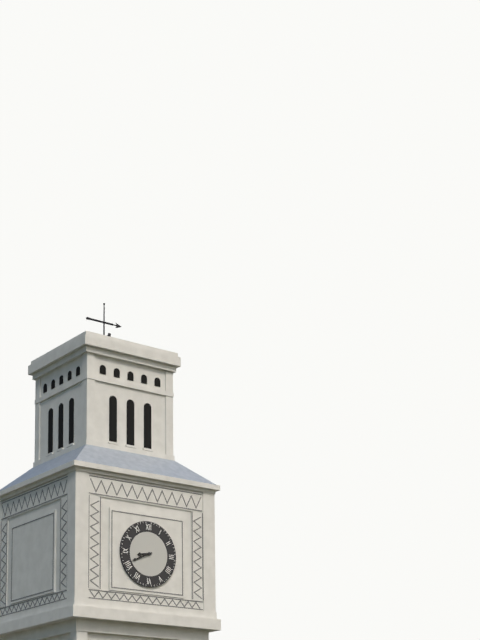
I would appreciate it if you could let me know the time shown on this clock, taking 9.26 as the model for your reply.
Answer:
8.41
